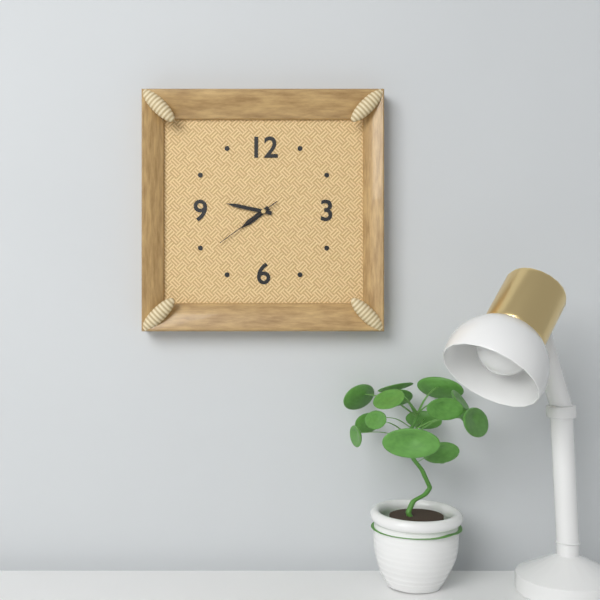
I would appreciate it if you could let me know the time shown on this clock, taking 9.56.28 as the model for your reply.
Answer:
7.47.39
